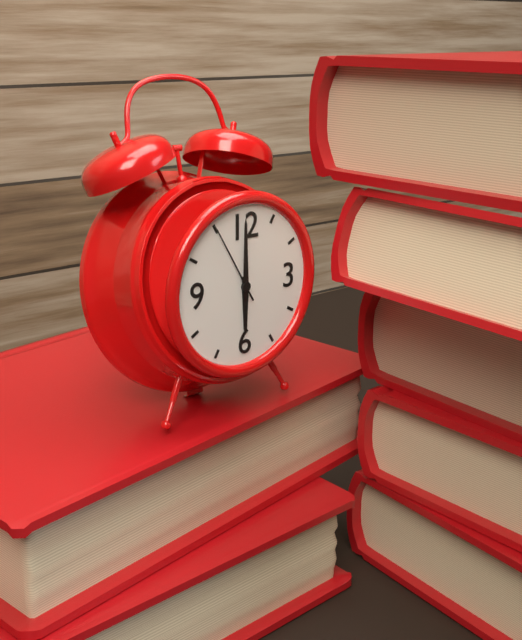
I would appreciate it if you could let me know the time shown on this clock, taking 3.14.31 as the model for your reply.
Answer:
6.00.55
